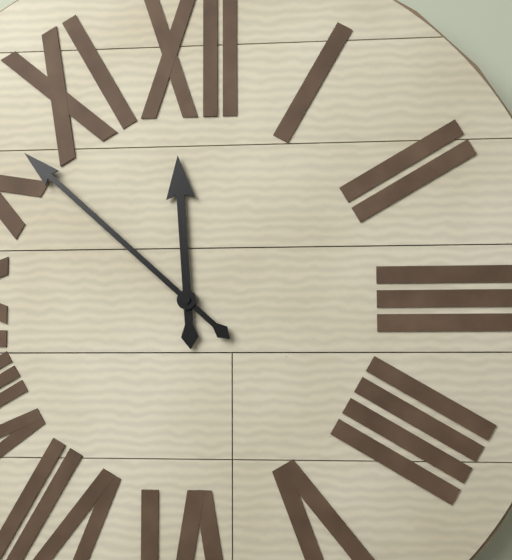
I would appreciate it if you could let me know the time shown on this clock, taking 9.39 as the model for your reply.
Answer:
11.52
